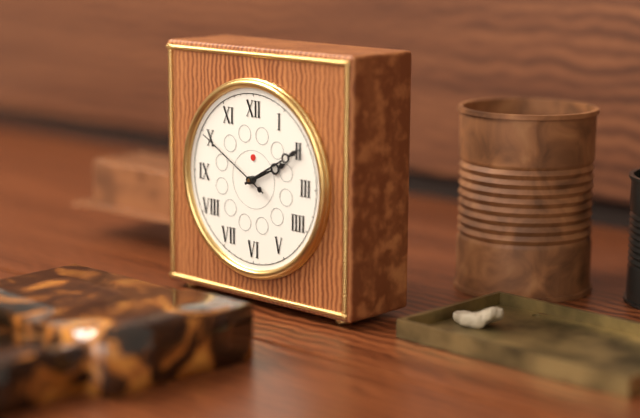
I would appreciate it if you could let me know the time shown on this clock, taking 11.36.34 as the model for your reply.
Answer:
2.10.50
